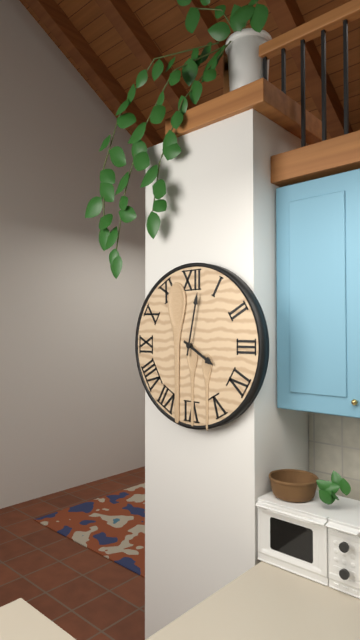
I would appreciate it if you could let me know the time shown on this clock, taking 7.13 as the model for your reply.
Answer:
4.02
